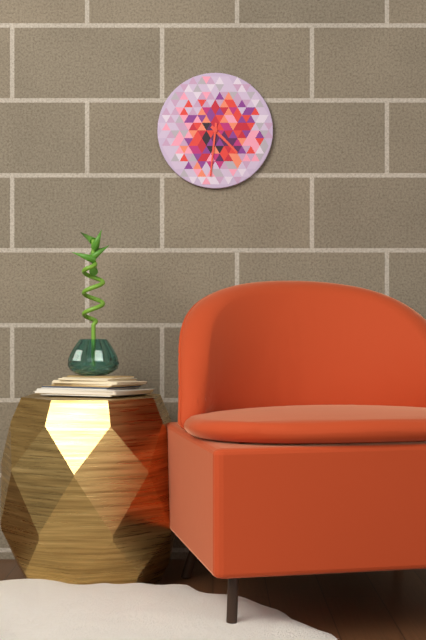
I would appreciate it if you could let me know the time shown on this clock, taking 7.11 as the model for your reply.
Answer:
4.31
